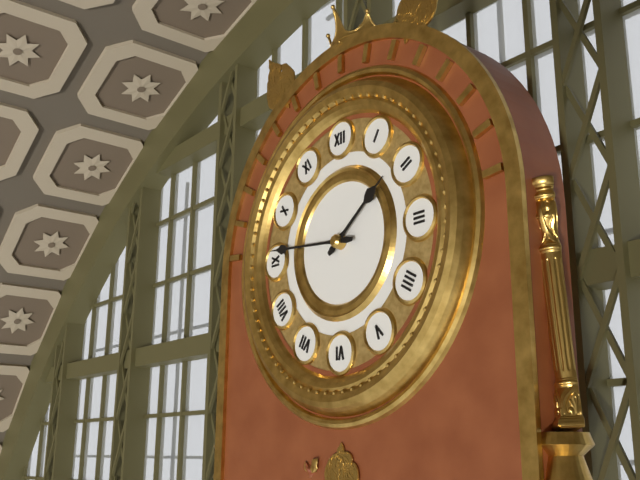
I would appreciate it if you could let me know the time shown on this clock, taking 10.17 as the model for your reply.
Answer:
1.46
